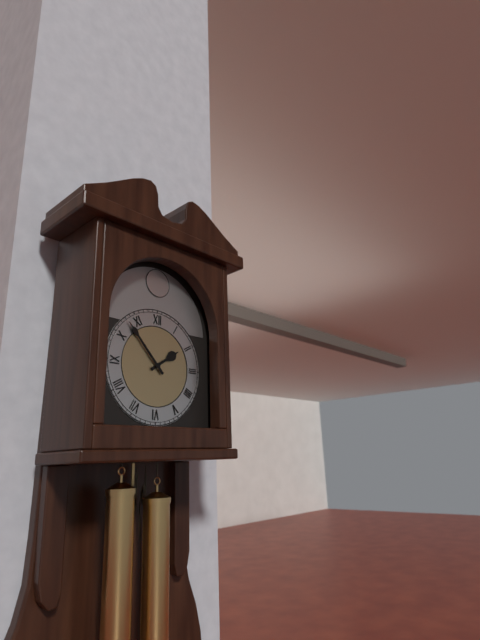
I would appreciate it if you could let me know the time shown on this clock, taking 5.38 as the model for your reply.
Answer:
1.53
